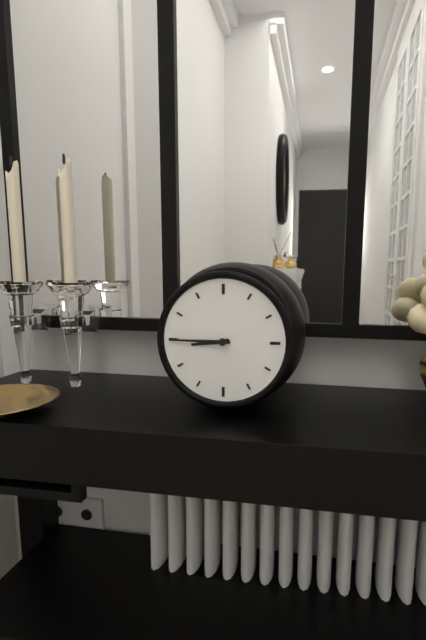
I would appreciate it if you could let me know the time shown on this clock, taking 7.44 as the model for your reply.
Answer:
8.45
